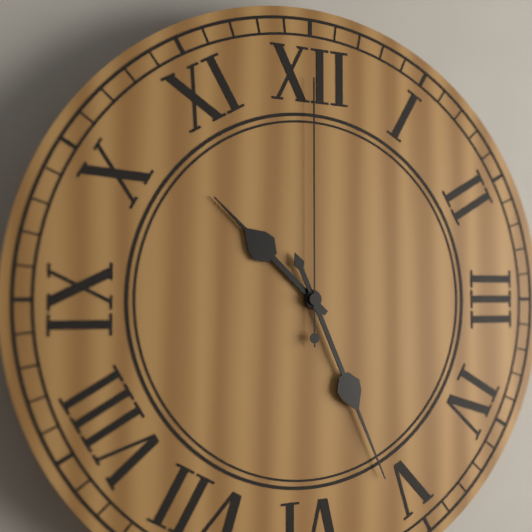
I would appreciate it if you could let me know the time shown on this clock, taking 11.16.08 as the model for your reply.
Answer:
10.26.00
